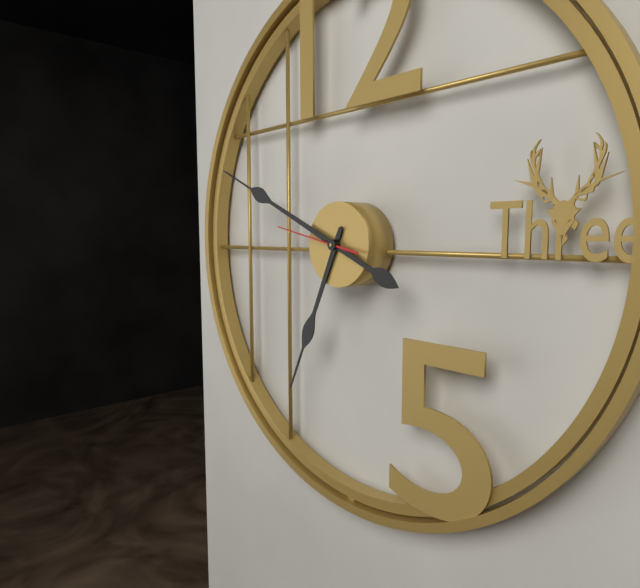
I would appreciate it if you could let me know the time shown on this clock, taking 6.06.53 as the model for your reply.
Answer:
6.49.47
